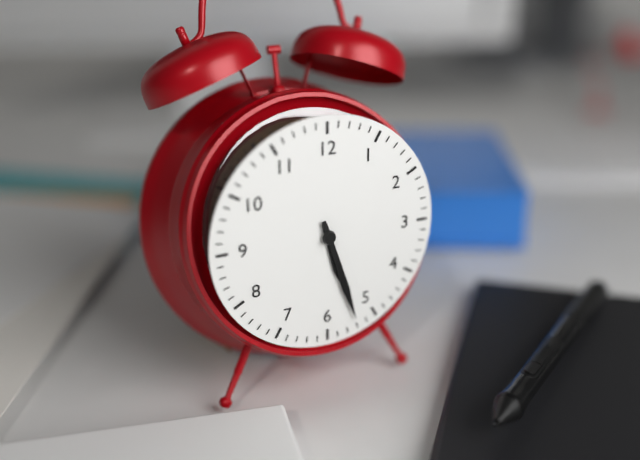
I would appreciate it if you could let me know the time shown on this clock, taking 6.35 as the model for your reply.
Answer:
5.27
